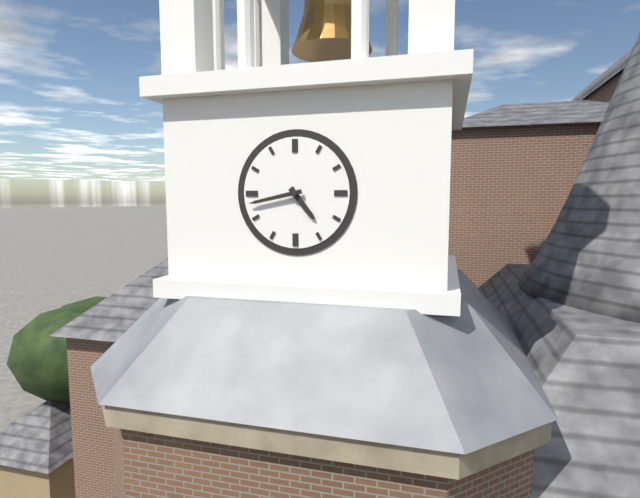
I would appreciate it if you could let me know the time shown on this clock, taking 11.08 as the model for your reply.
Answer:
4.43
